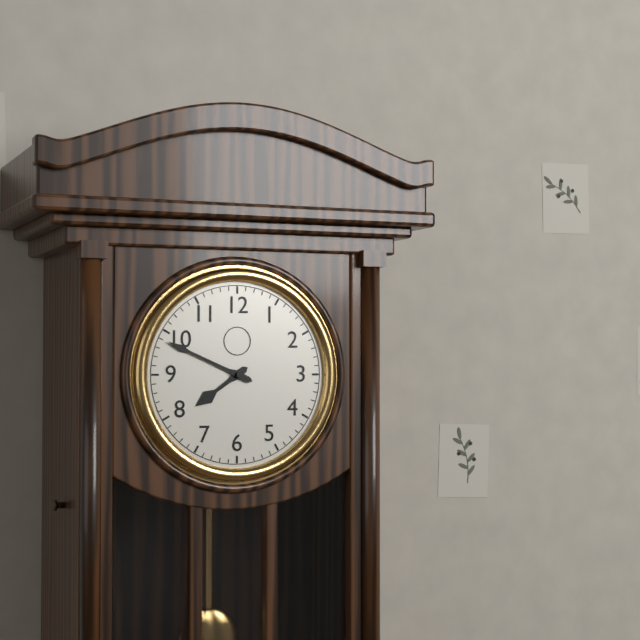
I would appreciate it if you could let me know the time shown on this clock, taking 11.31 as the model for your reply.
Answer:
7.49
